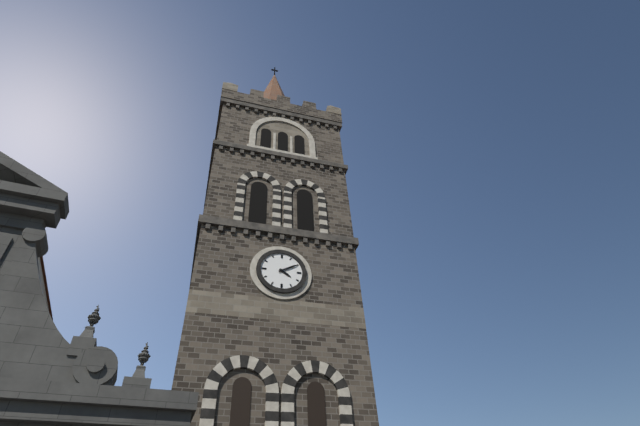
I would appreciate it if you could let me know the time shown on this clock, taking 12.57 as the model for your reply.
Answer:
4.10
